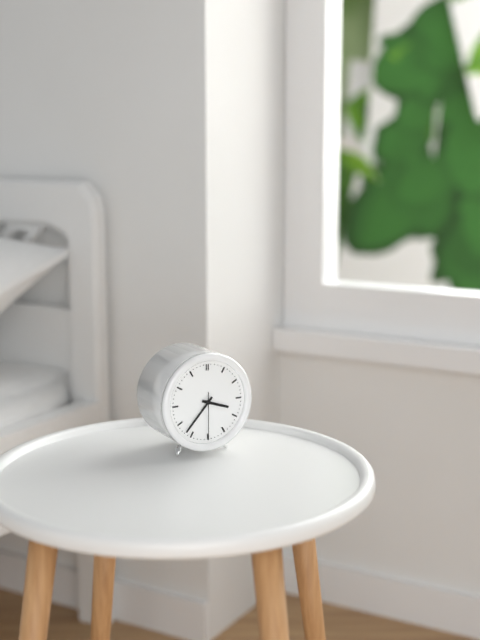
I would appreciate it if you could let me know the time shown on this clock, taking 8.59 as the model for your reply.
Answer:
3.37
